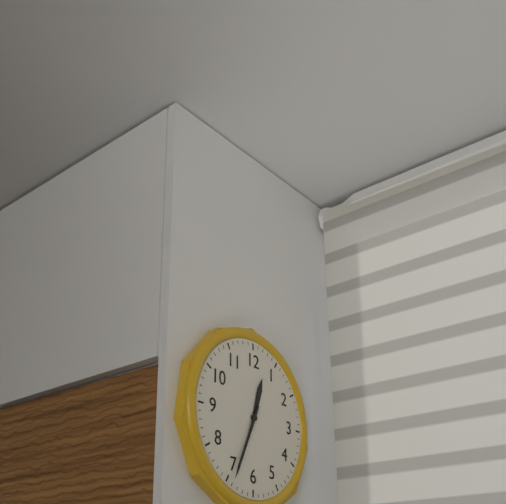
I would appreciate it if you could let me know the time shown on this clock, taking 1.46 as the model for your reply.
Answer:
12.34
